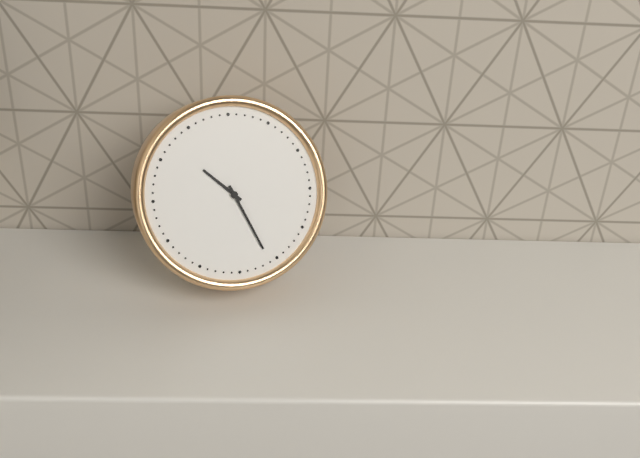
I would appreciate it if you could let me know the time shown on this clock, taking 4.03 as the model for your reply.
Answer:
10.26
